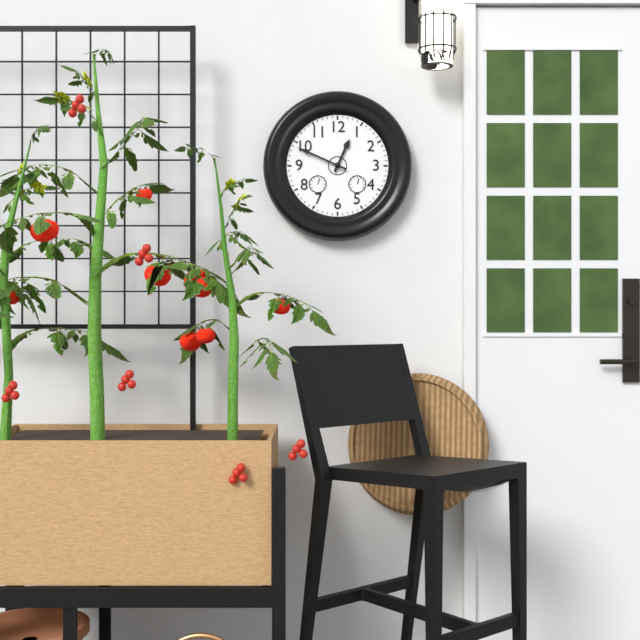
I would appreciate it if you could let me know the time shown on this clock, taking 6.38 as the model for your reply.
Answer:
12.49
